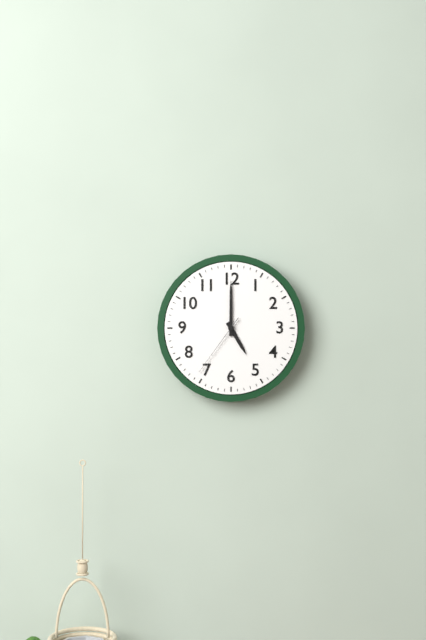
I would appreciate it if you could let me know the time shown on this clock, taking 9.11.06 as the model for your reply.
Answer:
5.00.36
